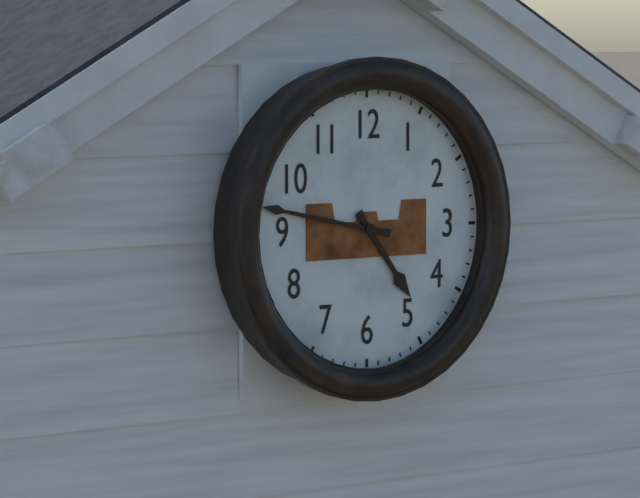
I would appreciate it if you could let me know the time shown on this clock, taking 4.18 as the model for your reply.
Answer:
4.47
